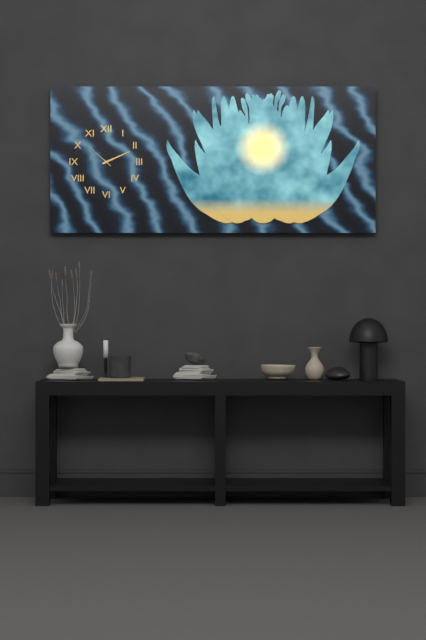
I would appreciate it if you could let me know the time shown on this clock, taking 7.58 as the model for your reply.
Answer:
2.11
